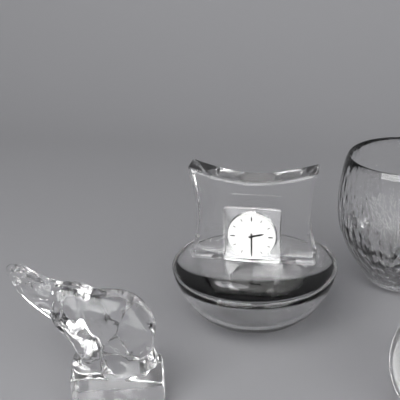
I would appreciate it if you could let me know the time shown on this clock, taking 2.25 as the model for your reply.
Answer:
2.30
